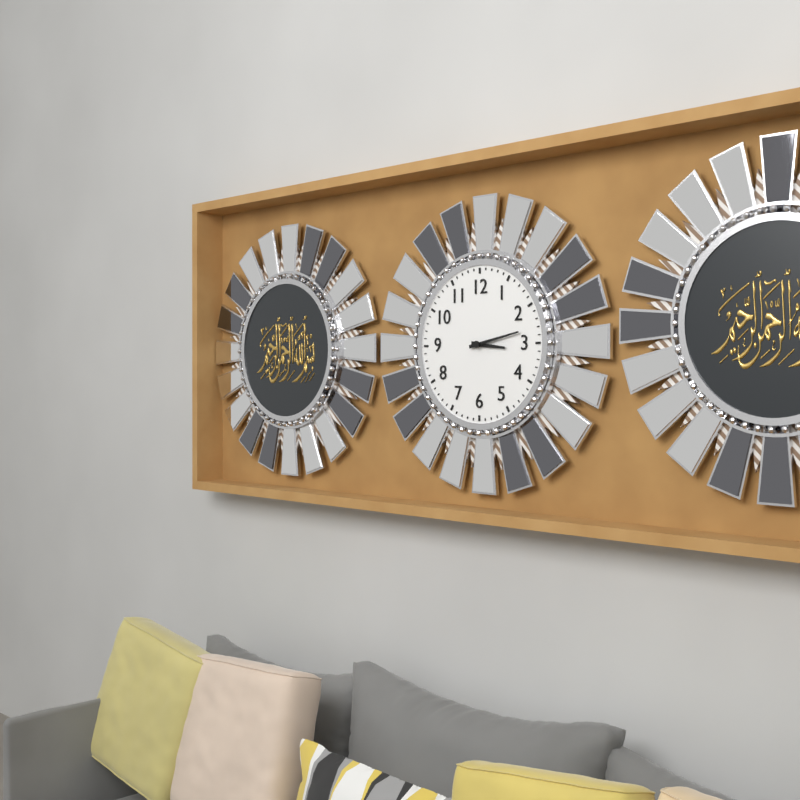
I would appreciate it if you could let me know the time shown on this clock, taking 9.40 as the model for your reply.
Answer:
3.13
